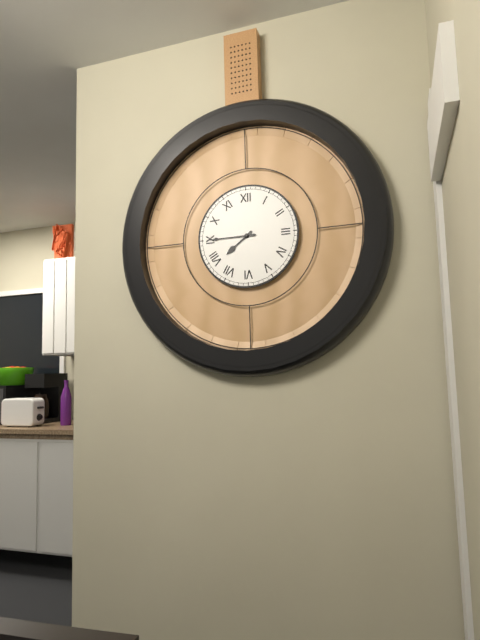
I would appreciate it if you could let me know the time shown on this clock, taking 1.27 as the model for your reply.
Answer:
7.45
